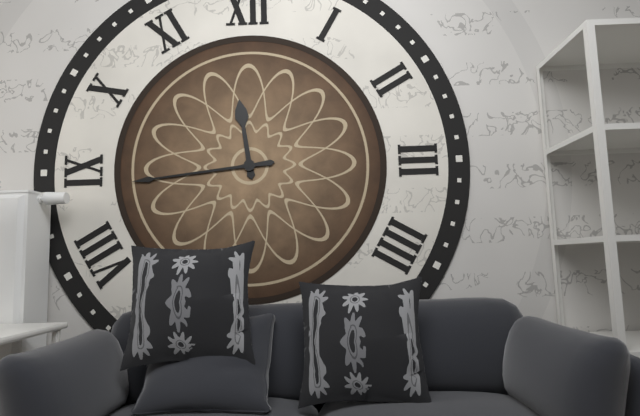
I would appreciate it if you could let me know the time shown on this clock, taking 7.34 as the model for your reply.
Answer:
11.44
